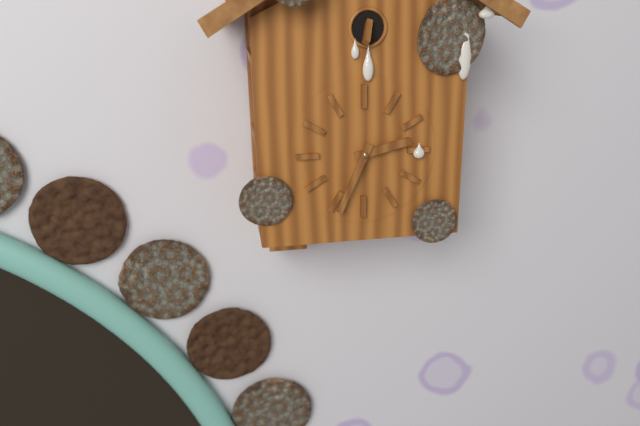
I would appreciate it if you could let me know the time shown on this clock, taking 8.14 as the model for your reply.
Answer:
2.34
